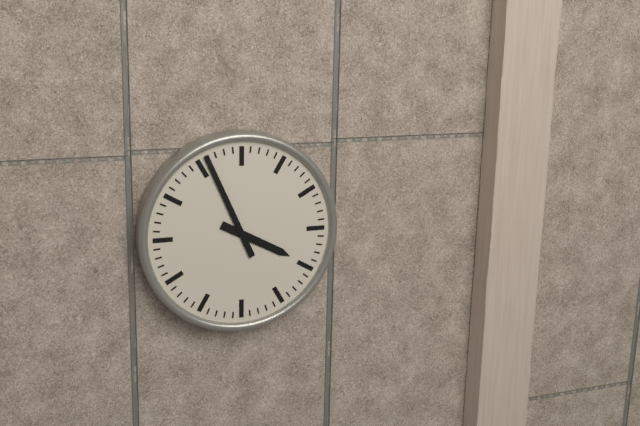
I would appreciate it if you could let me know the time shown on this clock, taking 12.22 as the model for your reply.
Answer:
3.56
